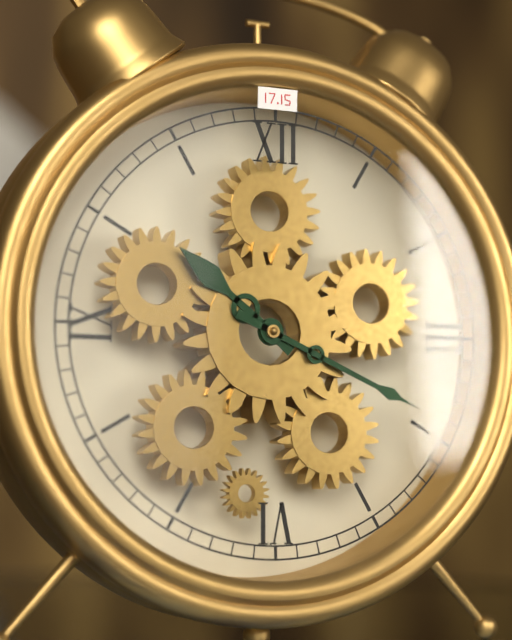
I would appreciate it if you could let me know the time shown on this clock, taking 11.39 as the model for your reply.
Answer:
10.19
